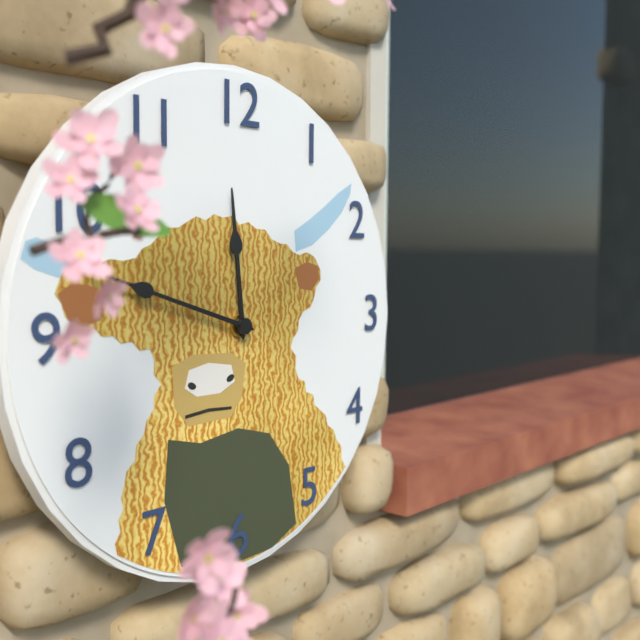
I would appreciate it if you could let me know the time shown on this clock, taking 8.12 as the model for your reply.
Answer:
11.48
